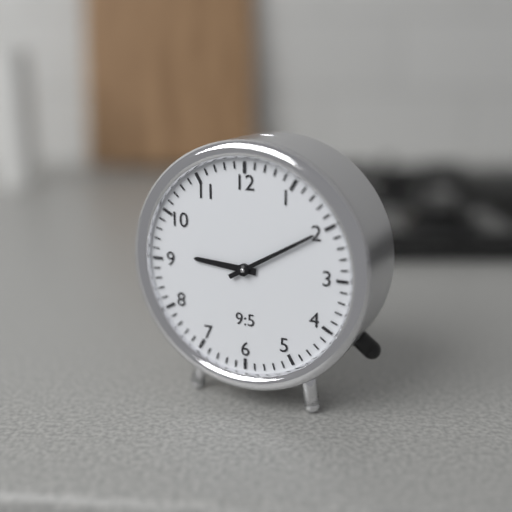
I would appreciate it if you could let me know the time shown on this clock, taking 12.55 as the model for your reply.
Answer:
9.10
